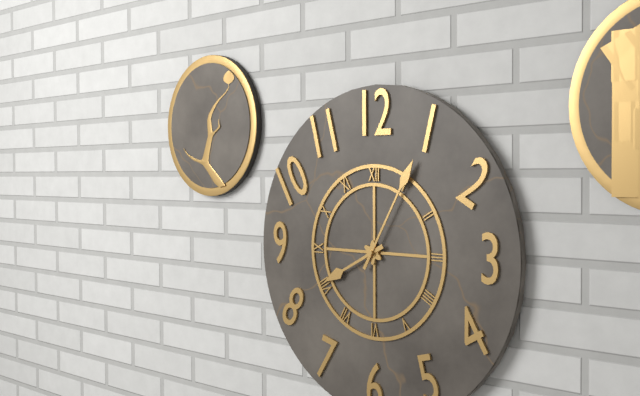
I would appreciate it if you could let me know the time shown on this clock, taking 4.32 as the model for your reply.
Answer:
8.05
